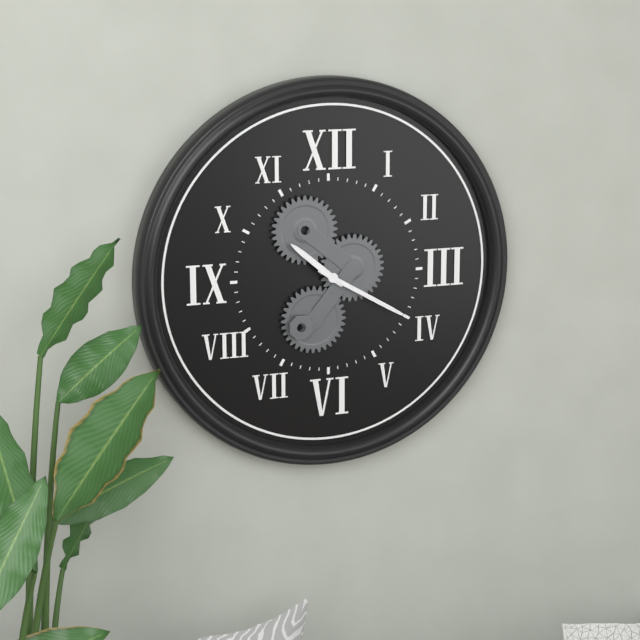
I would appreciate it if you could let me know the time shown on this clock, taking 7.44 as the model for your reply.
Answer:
10.20
